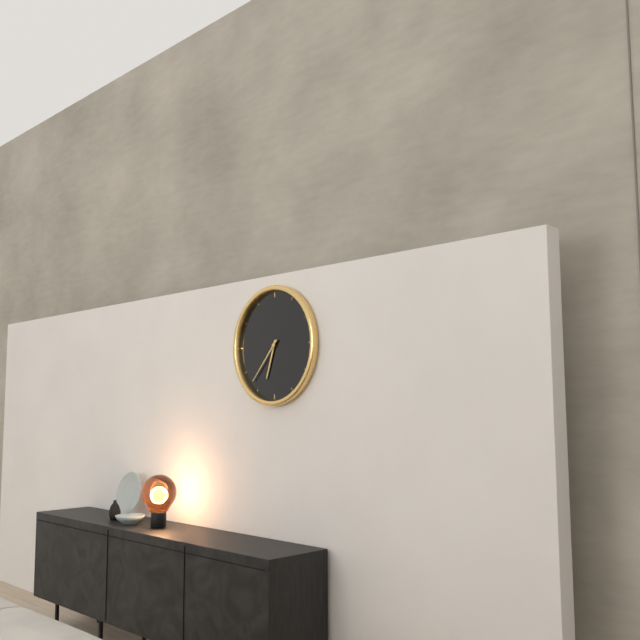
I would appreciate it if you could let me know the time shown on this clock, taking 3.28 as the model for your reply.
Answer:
6.37
